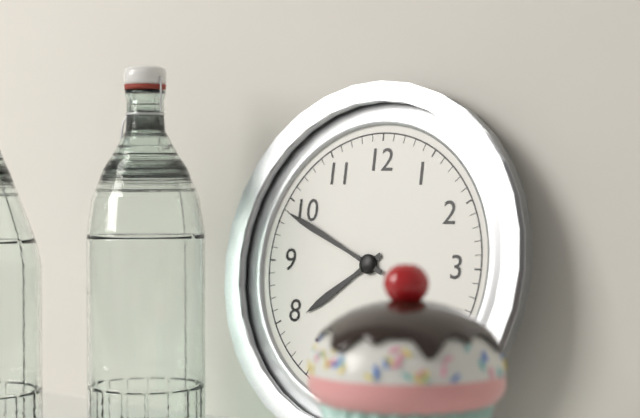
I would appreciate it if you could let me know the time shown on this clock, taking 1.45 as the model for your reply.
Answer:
7.49
